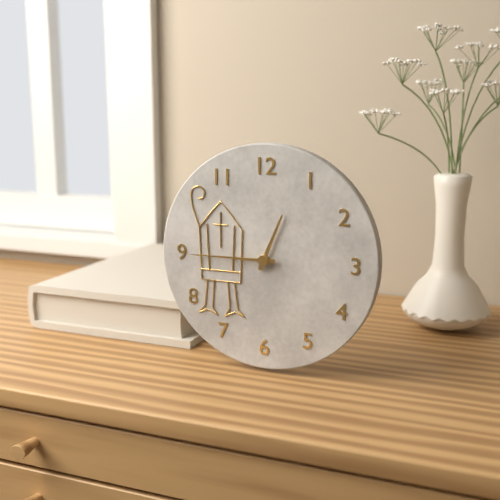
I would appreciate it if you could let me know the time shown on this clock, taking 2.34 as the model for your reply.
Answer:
12.45
